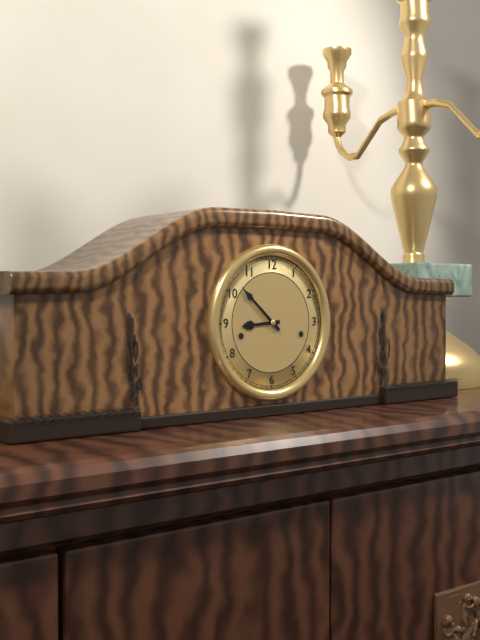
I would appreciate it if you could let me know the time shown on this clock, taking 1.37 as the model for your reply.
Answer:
8.52
